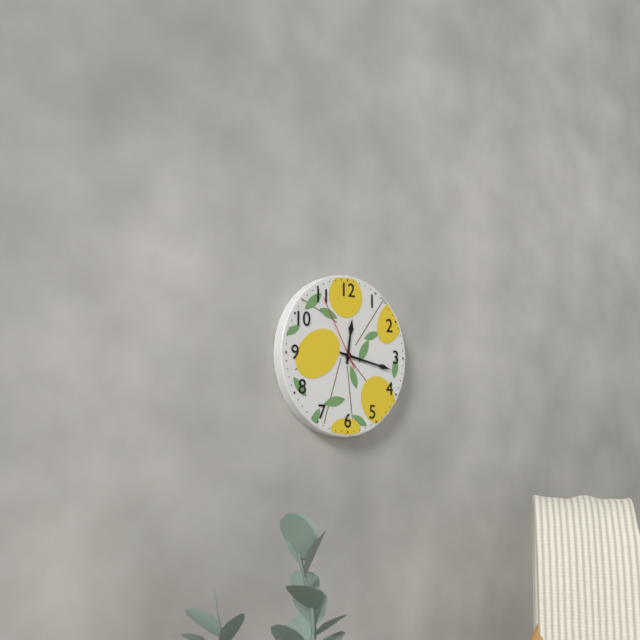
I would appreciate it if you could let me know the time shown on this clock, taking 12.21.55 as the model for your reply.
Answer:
12.17.55
